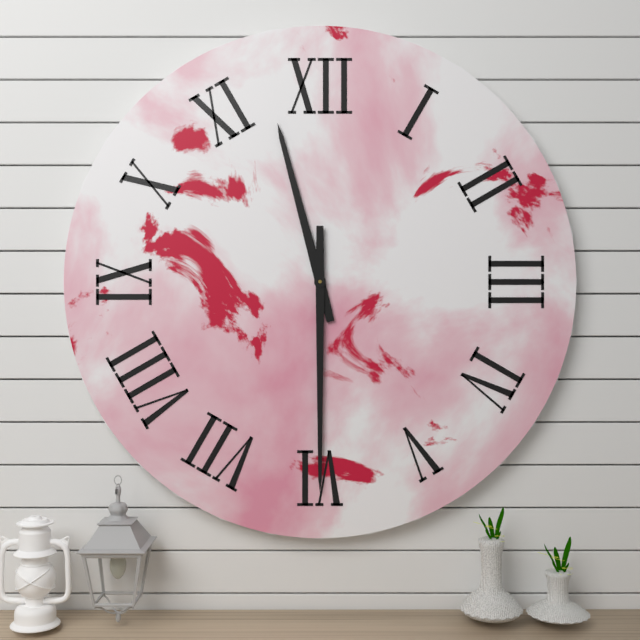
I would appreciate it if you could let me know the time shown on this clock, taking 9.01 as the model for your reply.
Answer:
11.30
